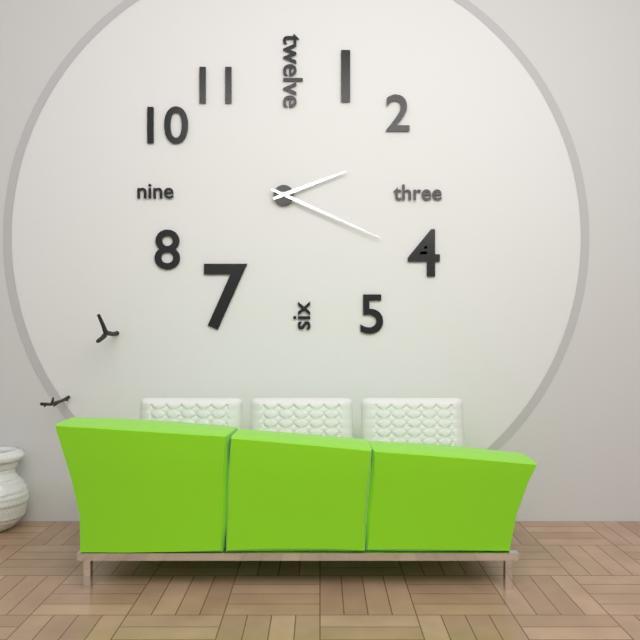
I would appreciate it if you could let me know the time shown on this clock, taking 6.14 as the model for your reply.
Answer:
2.19
